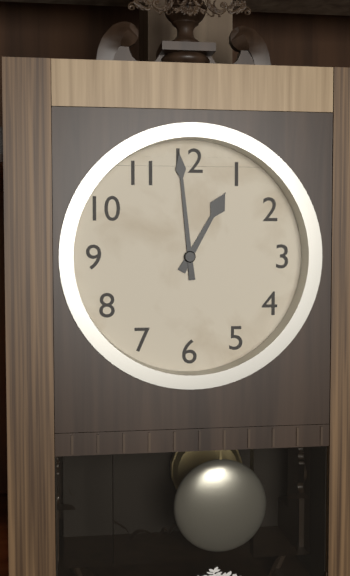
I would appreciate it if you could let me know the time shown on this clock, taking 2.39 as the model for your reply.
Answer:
12.59
